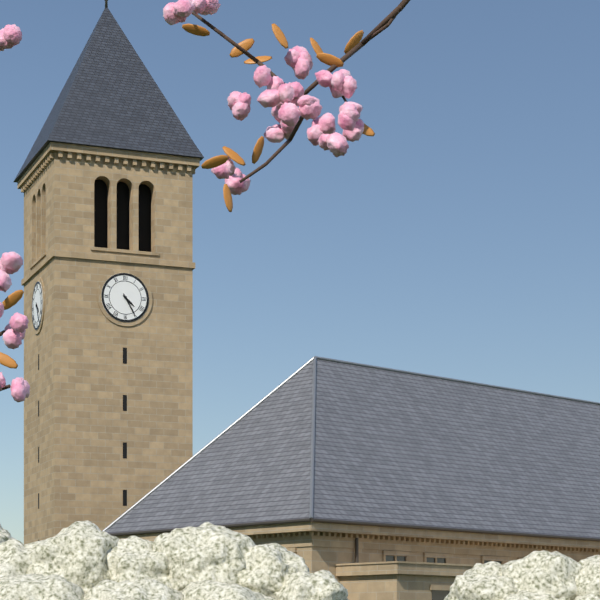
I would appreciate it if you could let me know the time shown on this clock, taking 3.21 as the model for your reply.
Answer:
4.25
